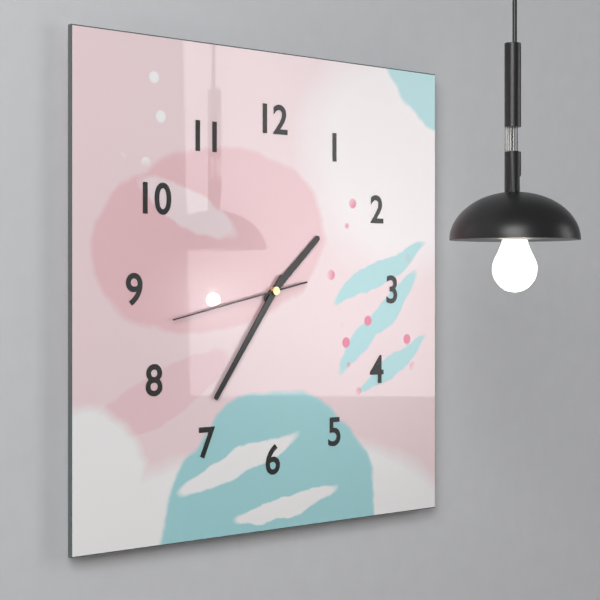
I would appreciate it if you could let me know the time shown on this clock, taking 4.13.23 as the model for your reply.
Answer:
1.36.43
